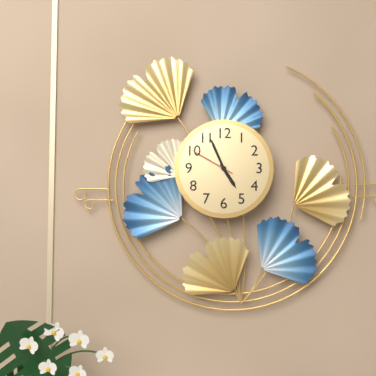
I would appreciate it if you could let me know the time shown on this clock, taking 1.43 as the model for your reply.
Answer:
4.56
